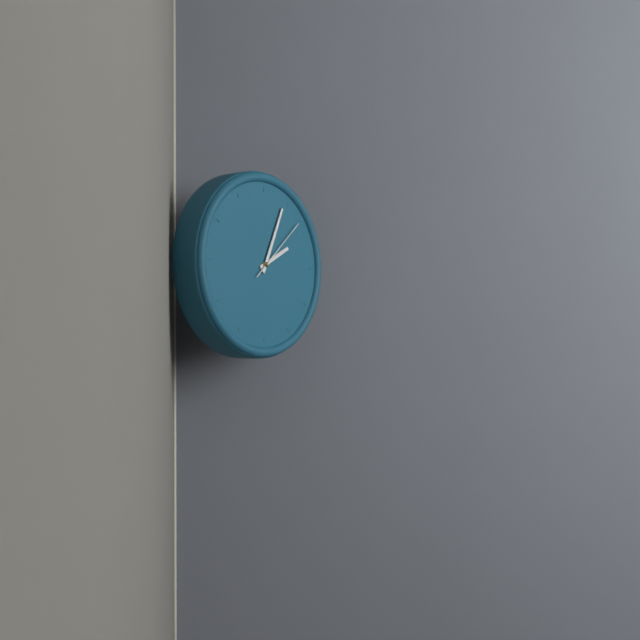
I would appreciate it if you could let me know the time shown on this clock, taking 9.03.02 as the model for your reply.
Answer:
2.04.08
